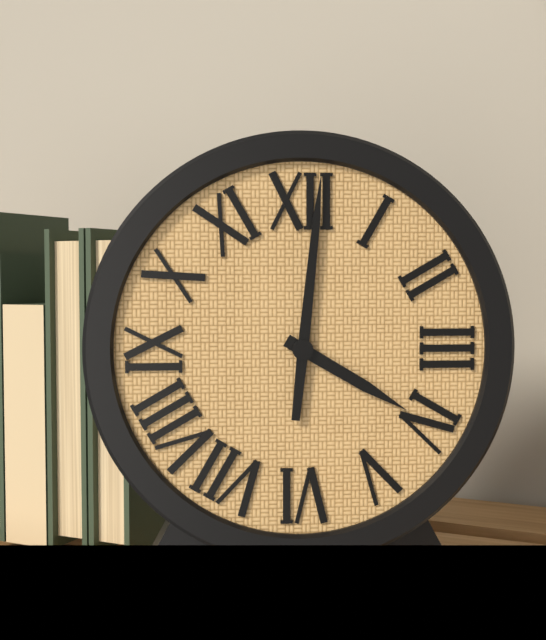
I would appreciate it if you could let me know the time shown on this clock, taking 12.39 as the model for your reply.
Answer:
4.01
